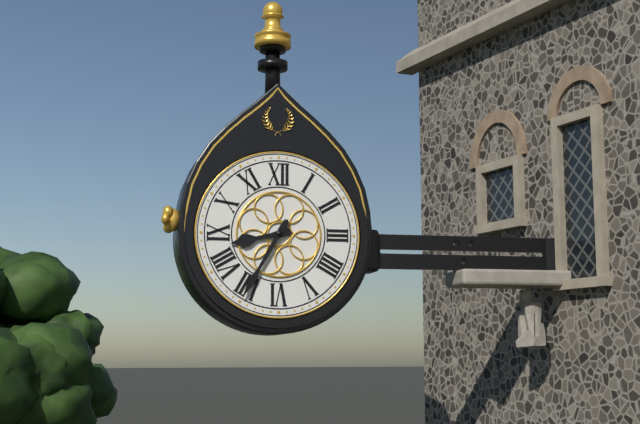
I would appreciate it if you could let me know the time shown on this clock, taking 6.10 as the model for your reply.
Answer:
8.35
